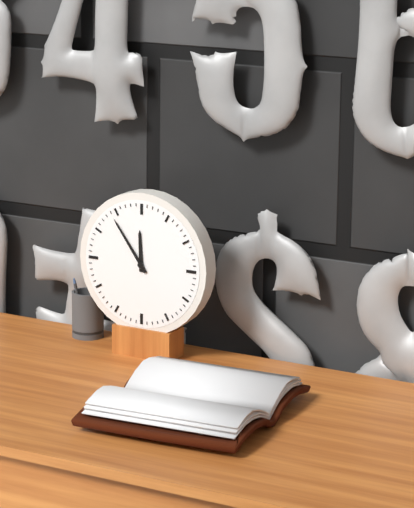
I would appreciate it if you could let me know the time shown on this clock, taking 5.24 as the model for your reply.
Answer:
11.54
